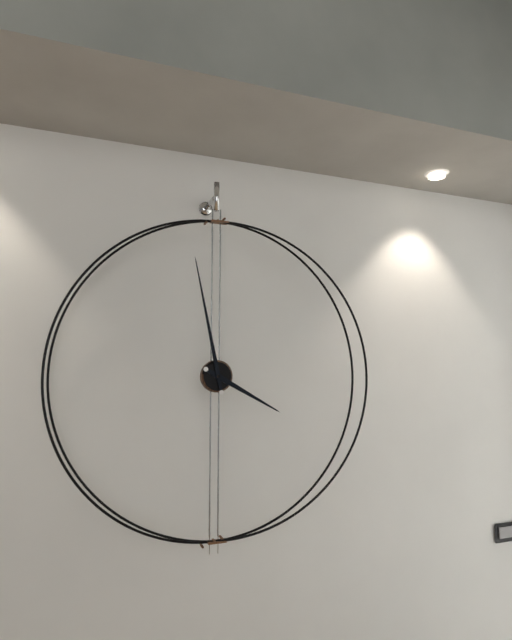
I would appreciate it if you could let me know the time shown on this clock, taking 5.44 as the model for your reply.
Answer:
3.58
